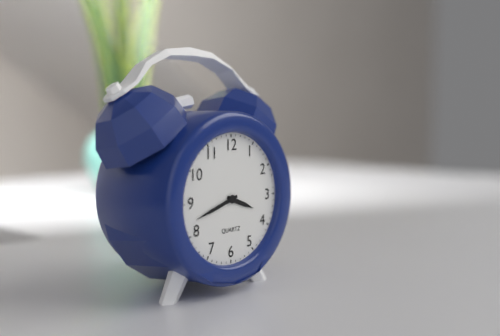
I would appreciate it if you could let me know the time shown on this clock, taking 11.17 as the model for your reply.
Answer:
3.42
